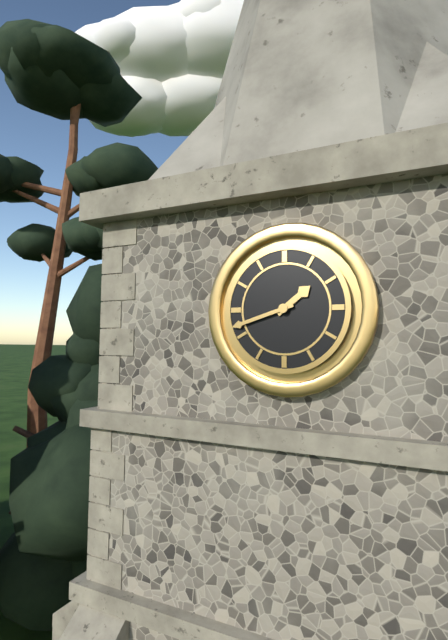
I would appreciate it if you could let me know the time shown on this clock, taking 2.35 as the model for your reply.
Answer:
1.42
